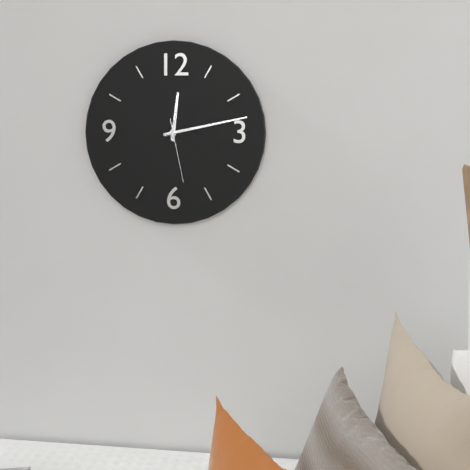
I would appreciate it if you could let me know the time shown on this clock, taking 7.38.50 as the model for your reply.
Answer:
12.13.28
